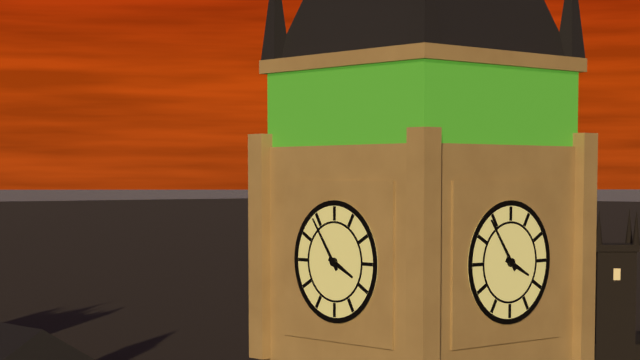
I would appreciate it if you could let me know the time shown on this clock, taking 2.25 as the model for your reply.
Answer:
3.54
